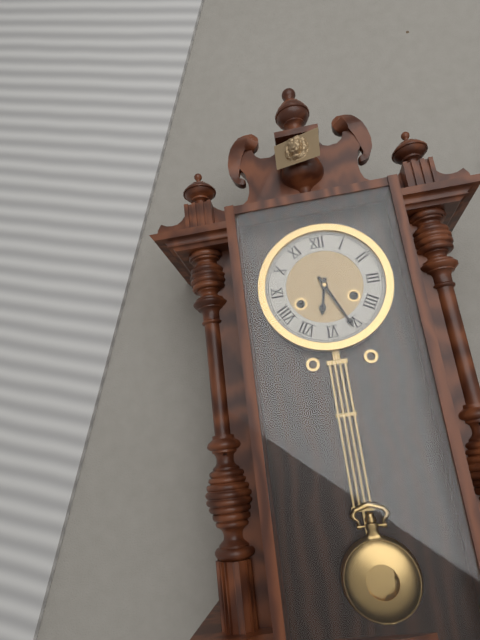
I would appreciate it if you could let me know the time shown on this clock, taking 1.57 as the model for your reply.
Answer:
6.26
